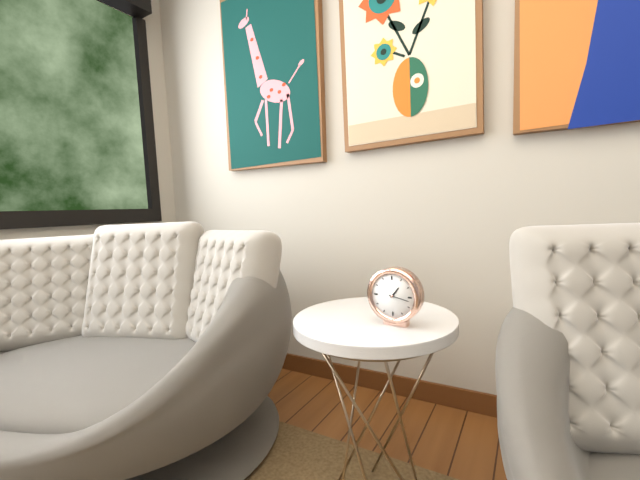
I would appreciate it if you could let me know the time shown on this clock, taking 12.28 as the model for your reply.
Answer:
1.17
